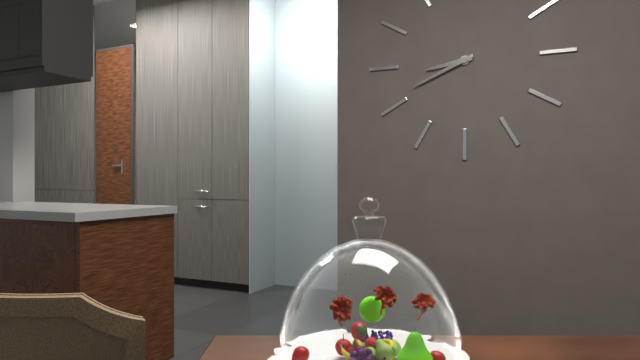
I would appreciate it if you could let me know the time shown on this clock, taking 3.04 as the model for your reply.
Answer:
8.41
